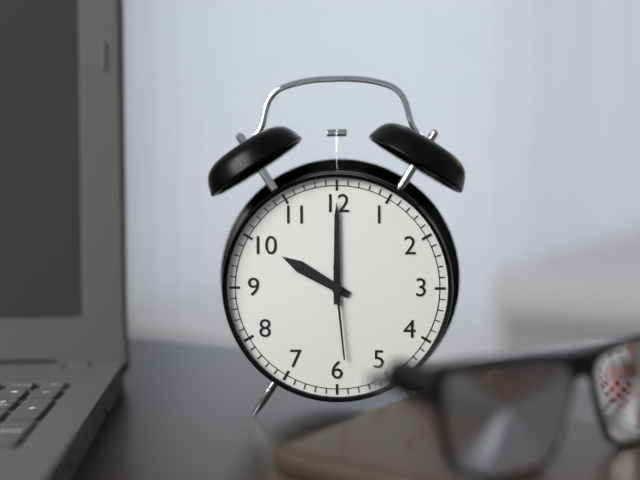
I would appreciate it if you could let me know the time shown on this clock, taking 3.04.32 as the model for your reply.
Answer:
10.00.29
